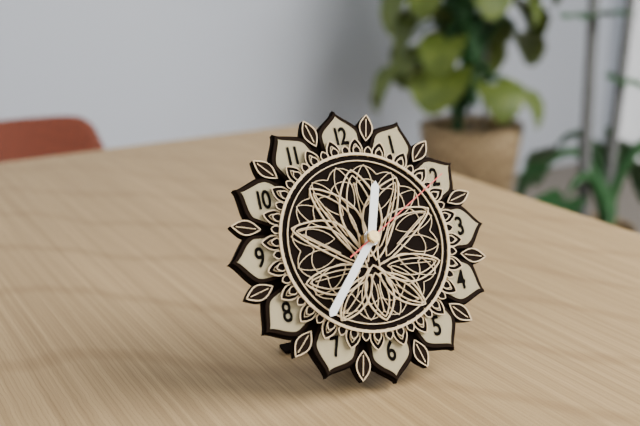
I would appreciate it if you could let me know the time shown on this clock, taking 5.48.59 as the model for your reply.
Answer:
12.37.10
